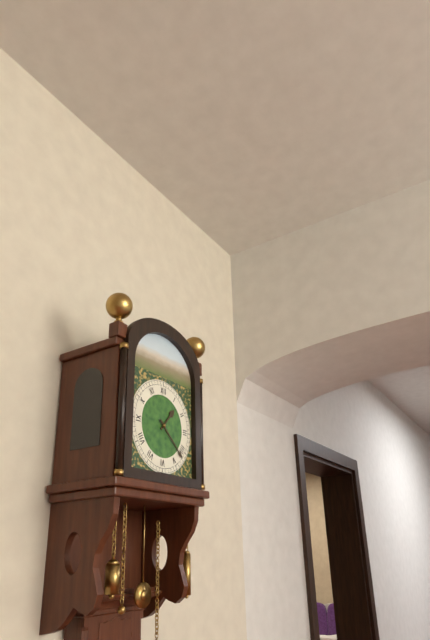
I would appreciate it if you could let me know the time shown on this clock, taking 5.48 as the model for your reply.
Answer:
1.22
